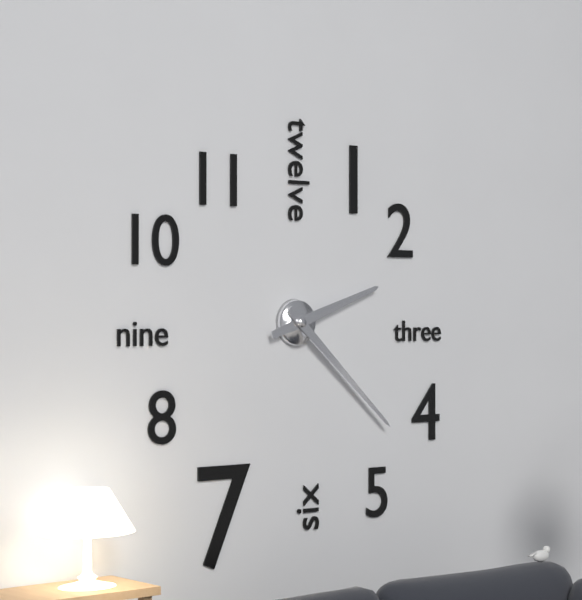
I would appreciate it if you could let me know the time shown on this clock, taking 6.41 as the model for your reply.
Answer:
2.22
